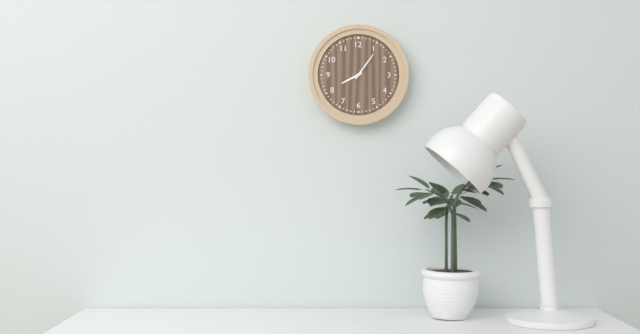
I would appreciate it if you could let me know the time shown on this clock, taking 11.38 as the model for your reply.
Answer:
8.06
